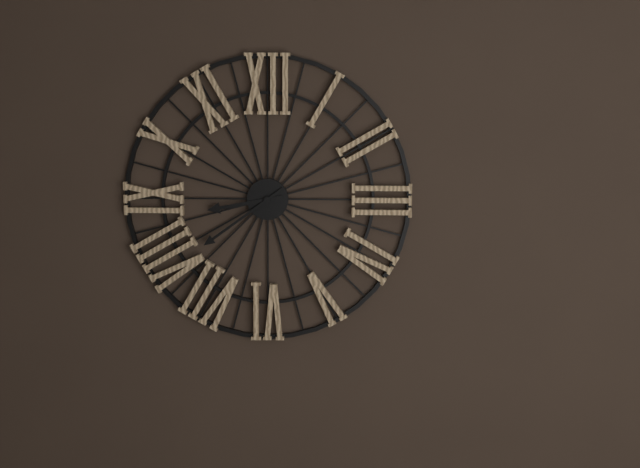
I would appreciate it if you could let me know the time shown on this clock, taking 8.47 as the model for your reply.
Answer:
8.39
